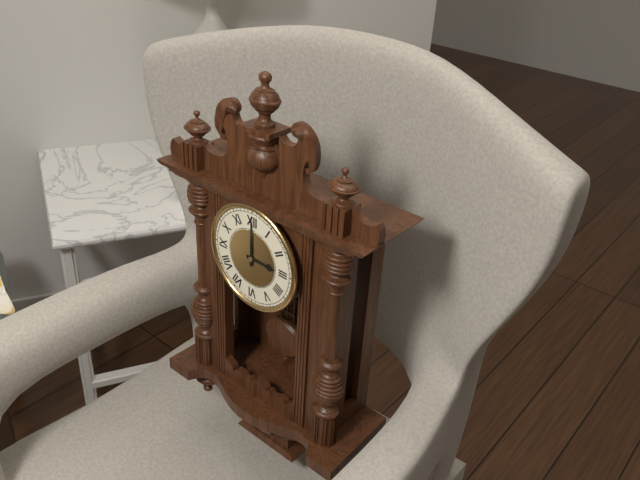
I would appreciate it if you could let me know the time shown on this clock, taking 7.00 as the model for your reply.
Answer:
3.00
